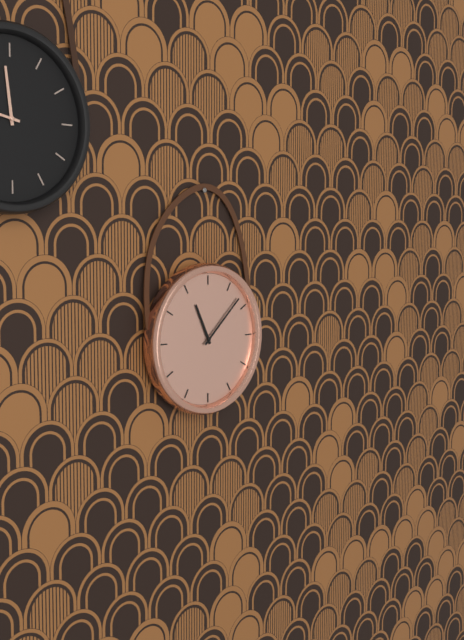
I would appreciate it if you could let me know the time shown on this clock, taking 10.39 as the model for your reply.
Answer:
11.08
